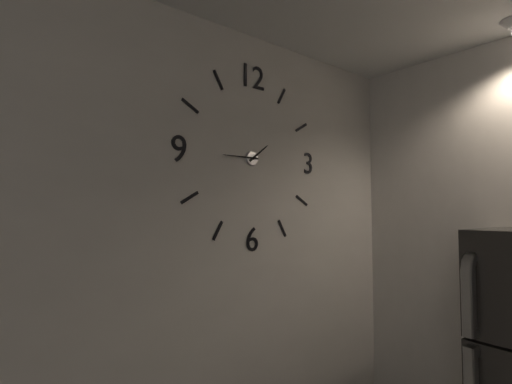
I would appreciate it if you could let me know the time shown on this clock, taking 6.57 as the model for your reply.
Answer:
1.45
